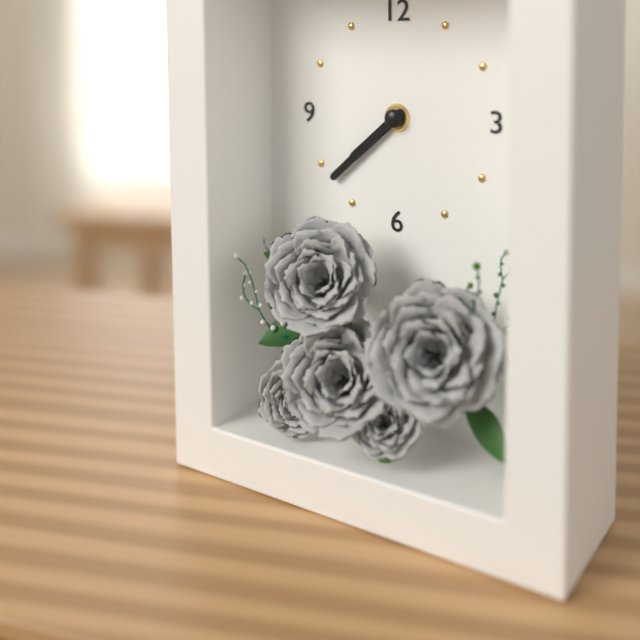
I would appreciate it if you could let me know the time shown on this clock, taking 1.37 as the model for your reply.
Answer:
7.38
